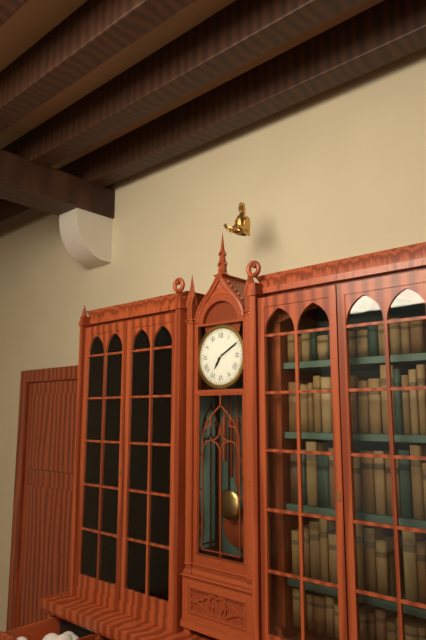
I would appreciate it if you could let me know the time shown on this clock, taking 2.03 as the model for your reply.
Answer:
7.10
